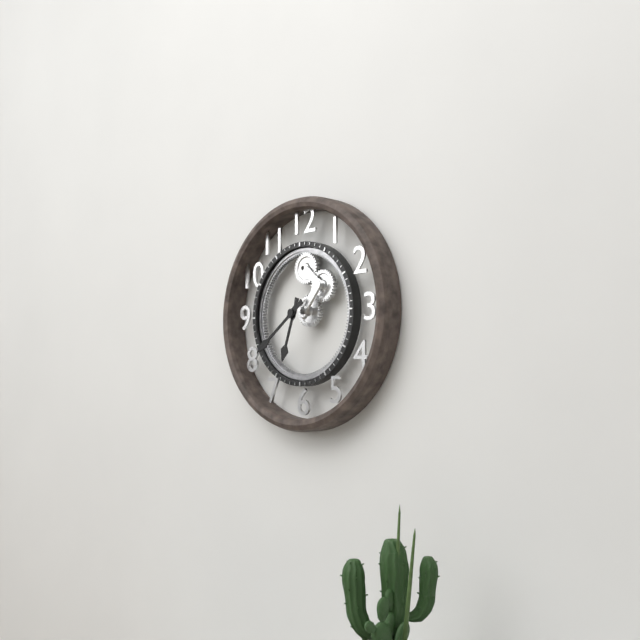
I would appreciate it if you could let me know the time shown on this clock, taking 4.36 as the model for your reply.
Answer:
6.39
